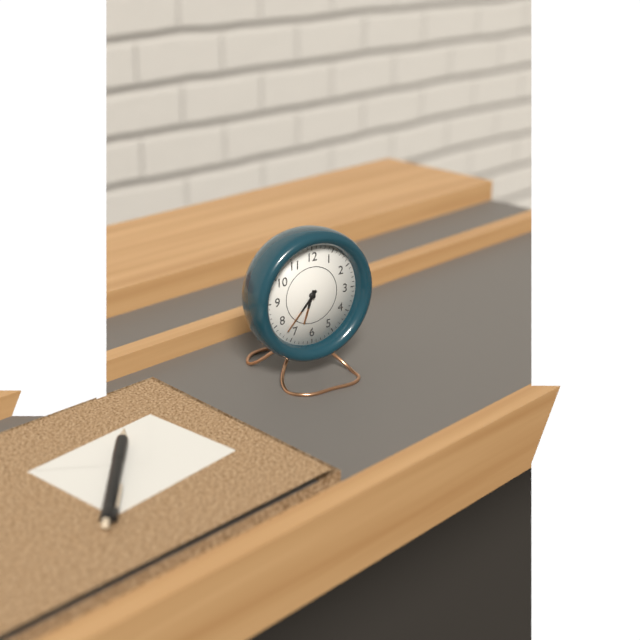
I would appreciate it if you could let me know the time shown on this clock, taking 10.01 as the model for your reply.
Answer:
6.37
